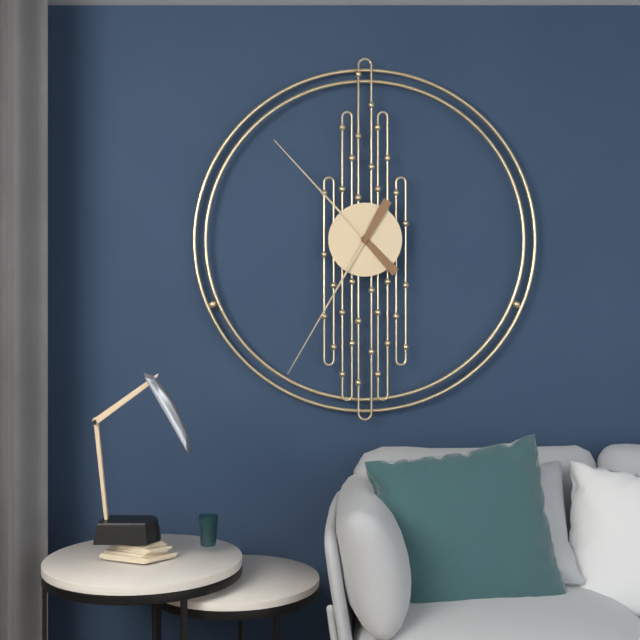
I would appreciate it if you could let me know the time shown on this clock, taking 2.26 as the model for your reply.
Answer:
10.35
